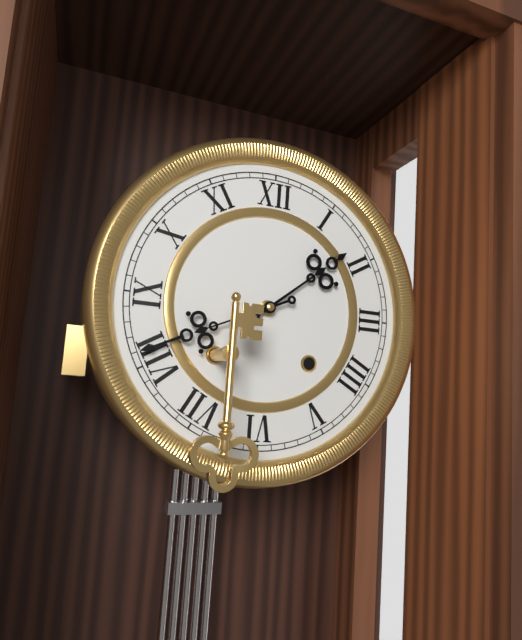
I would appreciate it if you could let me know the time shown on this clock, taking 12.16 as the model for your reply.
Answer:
1.41
